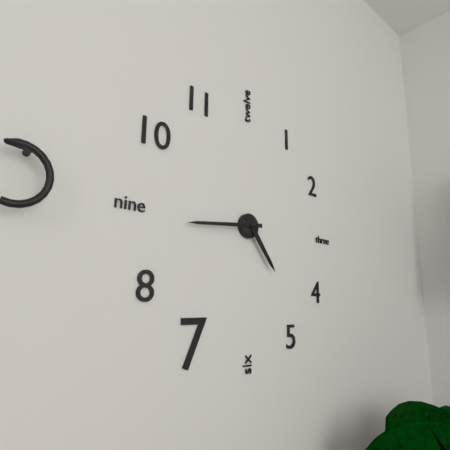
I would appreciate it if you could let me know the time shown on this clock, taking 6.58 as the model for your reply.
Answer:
4.44
